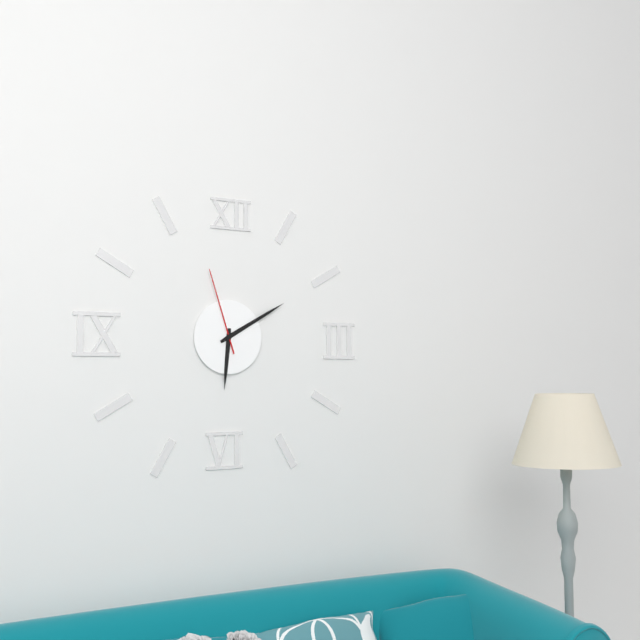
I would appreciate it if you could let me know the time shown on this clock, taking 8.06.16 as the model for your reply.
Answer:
6.10.57
